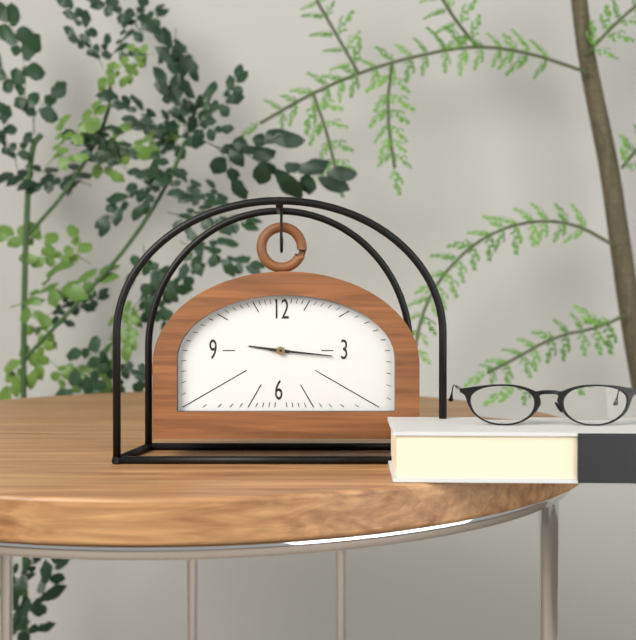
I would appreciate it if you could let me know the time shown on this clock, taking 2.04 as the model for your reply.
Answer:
9.16
